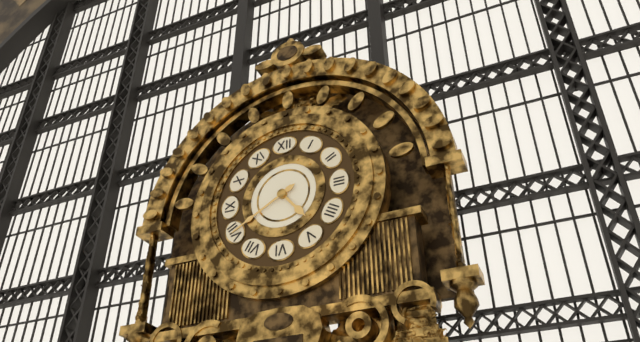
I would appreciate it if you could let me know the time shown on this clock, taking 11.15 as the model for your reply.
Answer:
4.40
